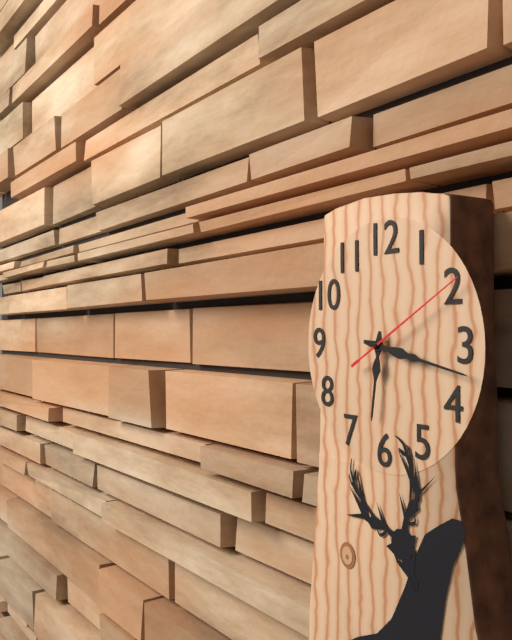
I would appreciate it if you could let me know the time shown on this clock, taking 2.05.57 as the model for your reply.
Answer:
6.17.10
